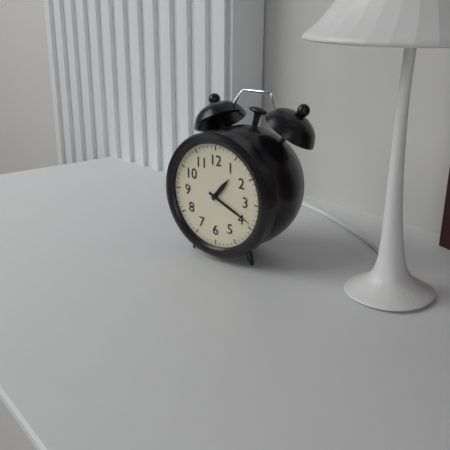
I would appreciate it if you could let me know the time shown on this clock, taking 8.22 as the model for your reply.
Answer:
1.19
